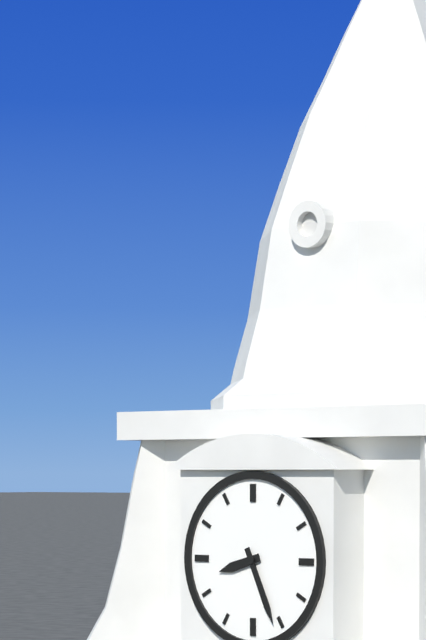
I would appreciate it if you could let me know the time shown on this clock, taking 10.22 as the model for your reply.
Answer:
8.26
